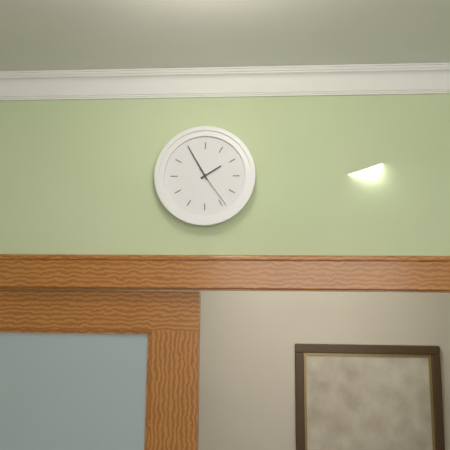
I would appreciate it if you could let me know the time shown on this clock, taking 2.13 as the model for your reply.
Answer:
1.55
